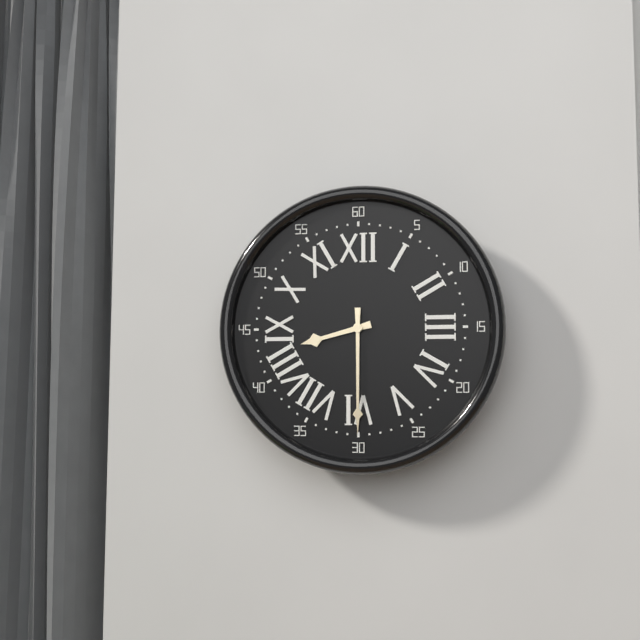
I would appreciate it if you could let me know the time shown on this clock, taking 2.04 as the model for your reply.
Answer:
8.30
